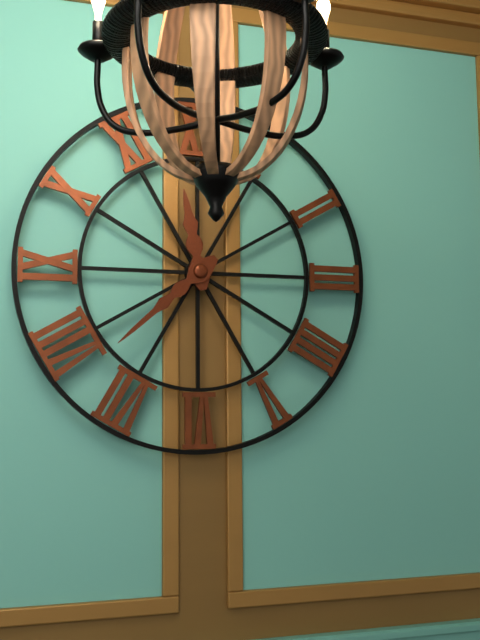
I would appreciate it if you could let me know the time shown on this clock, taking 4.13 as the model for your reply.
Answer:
11.38
